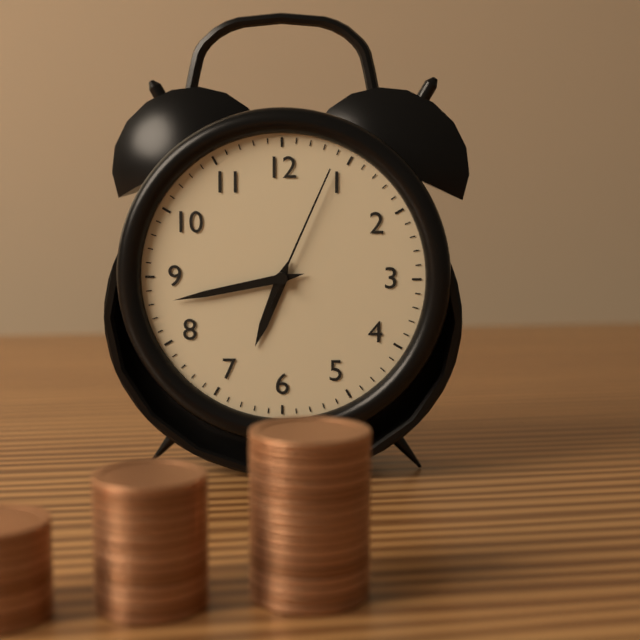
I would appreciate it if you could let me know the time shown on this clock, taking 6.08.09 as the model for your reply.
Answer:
6.43.04
